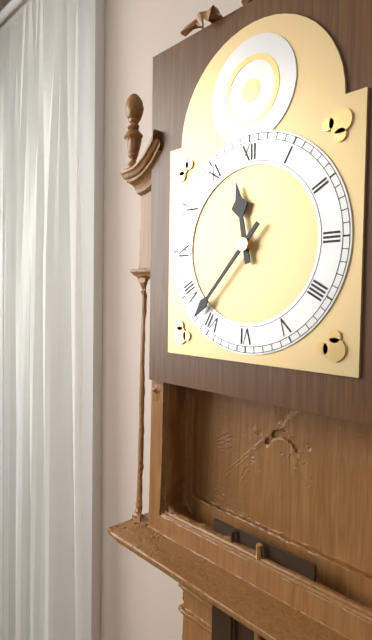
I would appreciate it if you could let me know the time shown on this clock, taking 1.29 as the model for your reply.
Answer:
11.37
